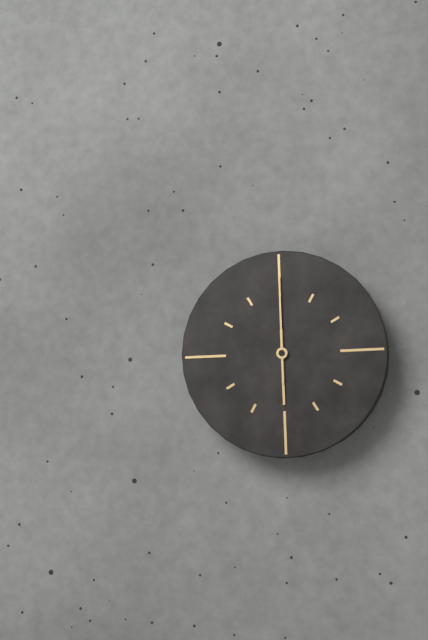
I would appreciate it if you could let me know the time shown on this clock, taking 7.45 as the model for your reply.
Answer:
6.00
